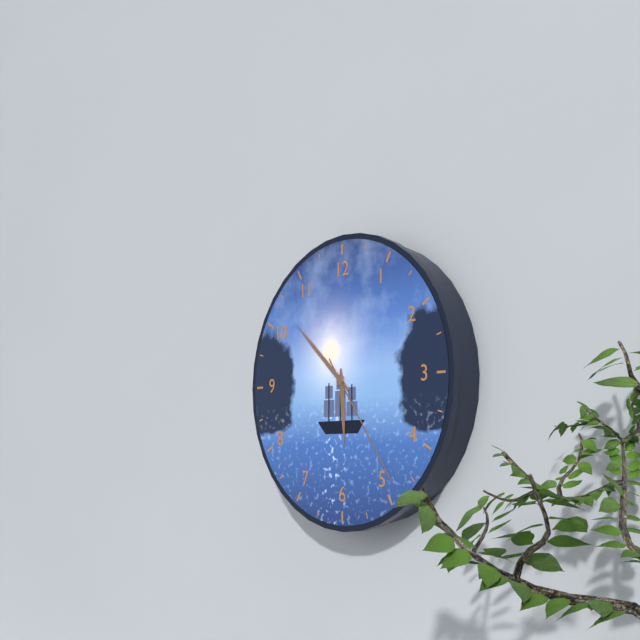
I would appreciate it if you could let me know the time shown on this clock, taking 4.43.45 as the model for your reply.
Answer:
5.52.24
